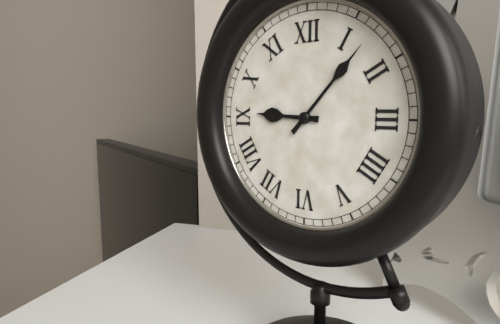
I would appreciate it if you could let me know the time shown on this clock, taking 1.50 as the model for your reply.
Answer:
9.07
